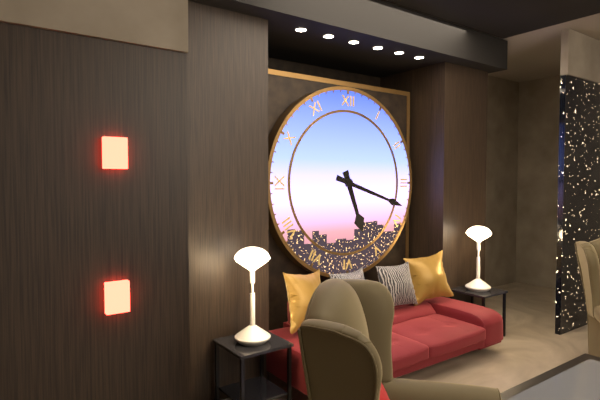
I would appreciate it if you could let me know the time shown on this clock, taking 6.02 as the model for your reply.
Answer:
5.18
